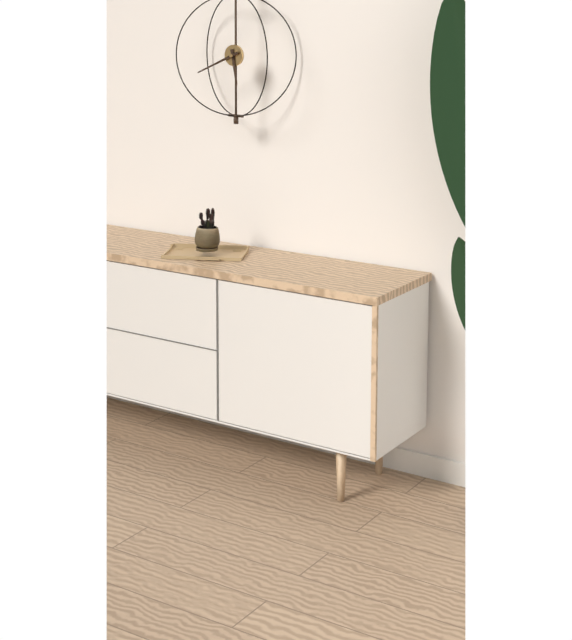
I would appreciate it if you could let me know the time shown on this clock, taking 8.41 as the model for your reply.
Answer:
5.41
